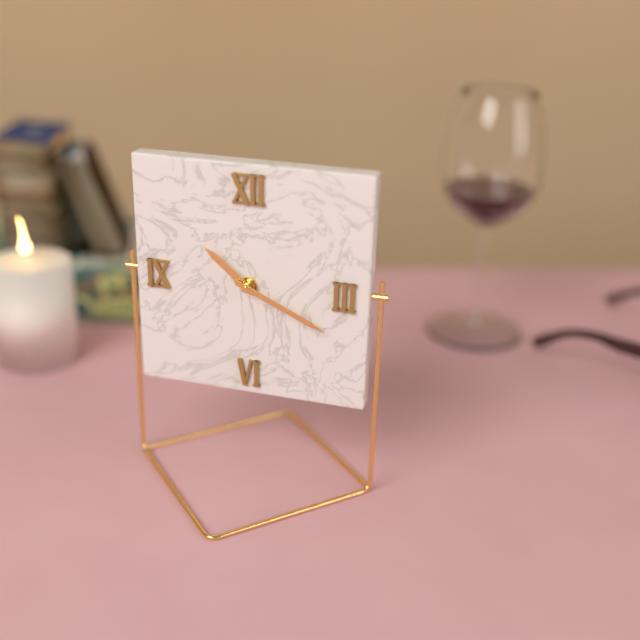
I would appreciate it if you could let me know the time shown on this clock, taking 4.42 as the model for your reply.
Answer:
10.19
